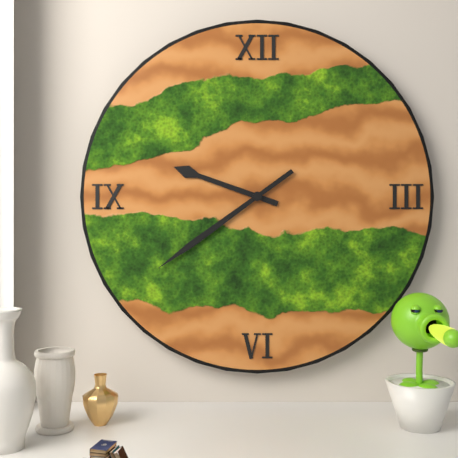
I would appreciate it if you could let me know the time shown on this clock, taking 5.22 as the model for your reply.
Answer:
9.39
